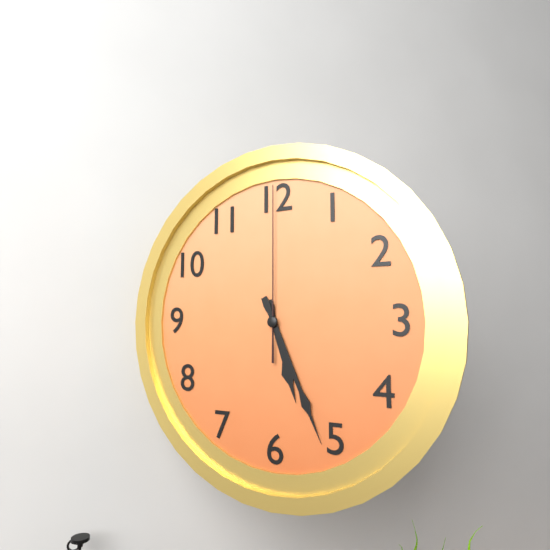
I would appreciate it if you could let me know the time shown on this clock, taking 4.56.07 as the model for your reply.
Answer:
5.26.00
